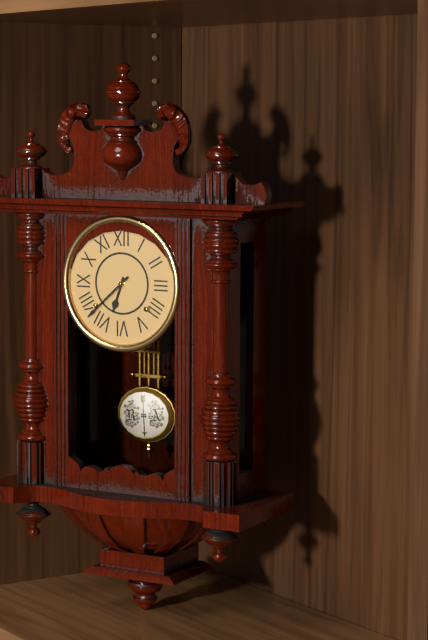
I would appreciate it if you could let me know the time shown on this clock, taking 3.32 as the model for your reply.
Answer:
6.38
